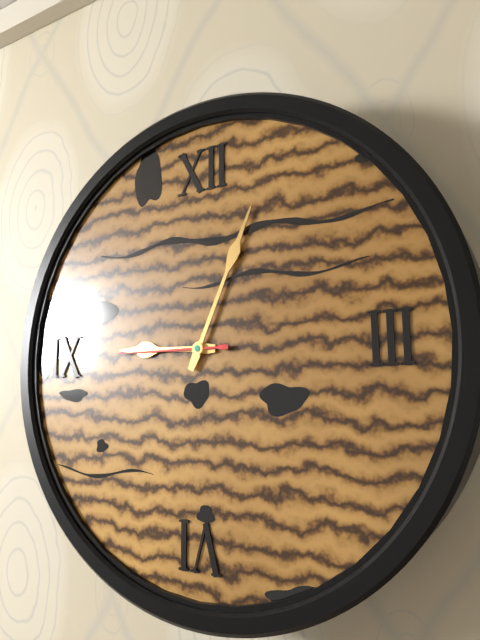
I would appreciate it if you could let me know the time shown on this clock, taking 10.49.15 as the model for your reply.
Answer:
9.04.45
